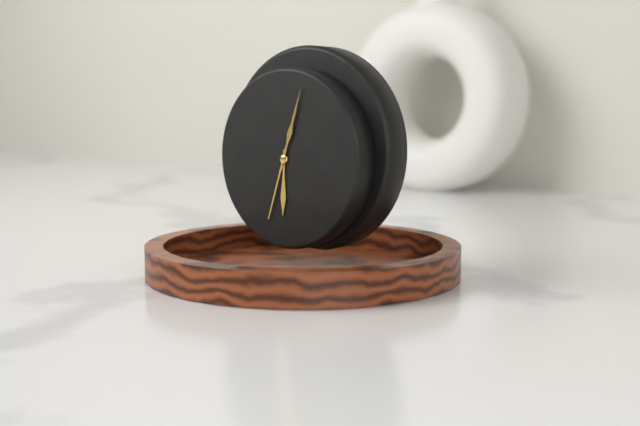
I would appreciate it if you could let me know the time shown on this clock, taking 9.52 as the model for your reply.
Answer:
6.03
